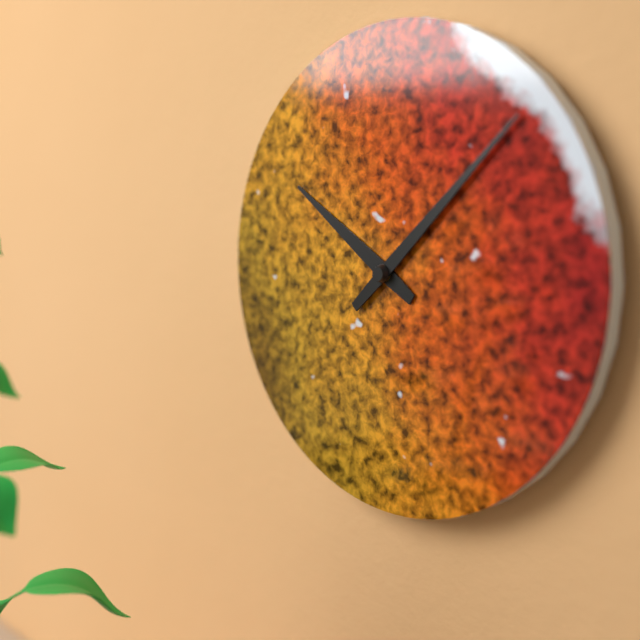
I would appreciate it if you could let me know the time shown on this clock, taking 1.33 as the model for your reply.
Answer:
10.08
